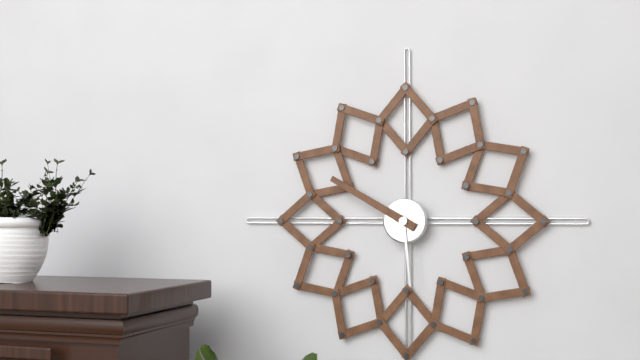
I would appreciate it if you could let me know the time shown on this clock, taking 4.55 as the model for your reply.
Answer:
5.50
